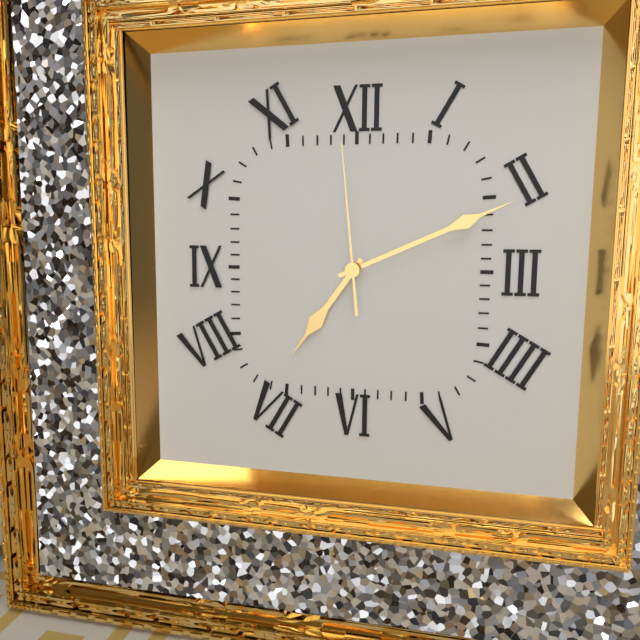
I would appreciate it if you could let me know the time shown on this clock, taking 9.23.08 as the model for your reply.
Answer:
7.11.59
